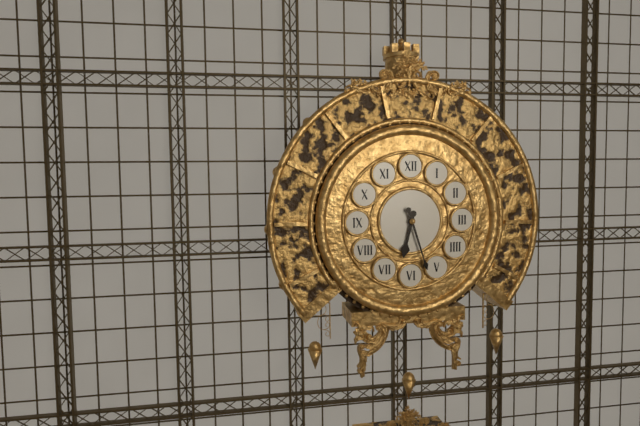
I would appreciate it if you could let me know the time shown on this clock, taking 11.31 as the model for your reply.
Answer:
6.27
